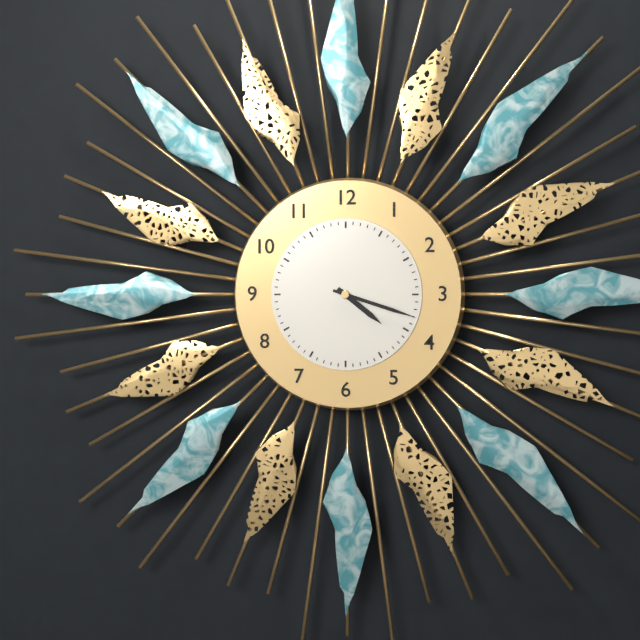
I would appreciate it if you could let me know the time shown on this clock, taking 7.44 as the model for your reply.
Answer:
4.18
